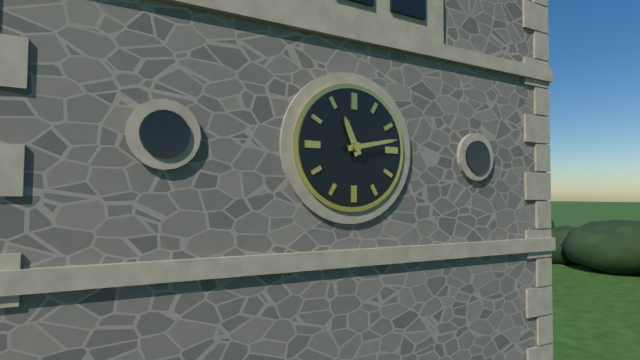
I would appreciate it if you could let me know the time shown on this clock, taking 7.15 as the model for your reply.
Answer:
11.13
